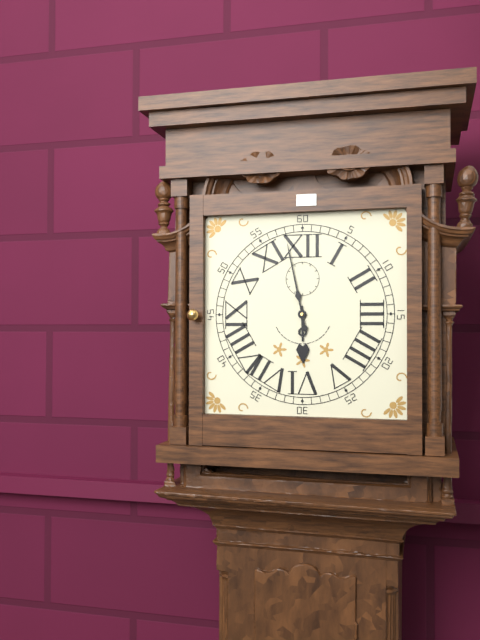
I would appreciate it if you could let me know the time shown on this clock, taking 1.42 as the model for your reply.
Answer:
5.58
